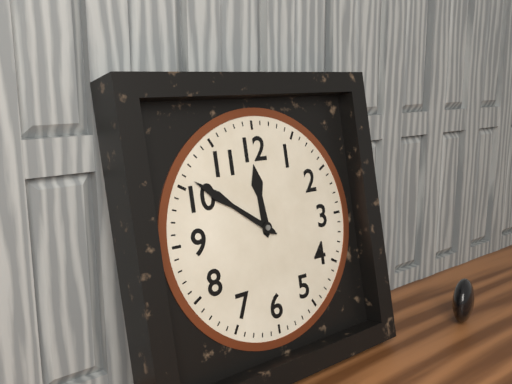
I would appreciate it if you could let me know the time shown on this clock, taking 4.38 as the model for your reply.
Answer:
11.51
